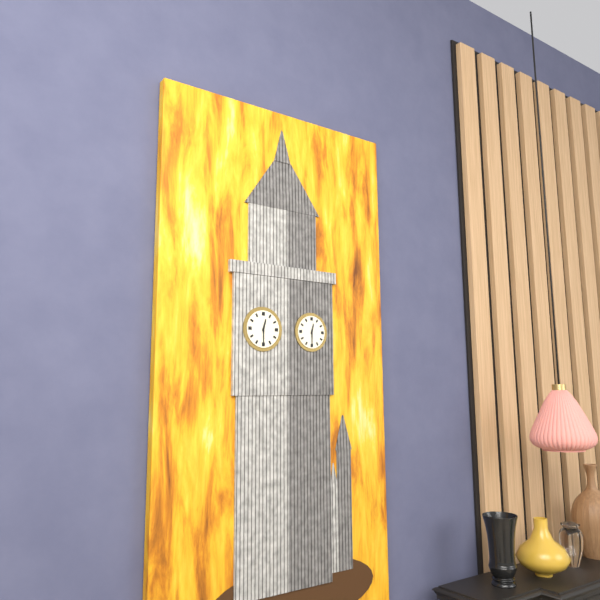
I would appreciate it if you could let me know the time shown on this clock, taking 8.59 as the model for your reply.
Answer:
12.30
